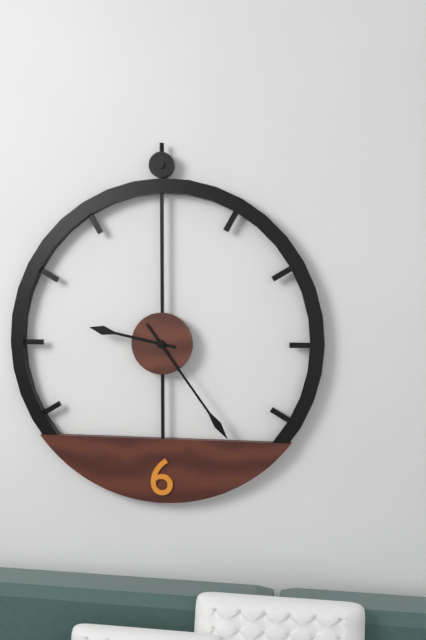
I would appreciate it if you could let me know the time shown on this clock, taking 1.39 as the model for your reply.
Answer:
9.24
